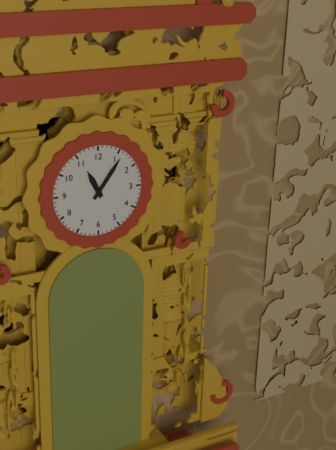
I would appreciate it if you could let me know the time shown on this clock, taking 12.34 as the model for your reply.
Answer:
11.06
